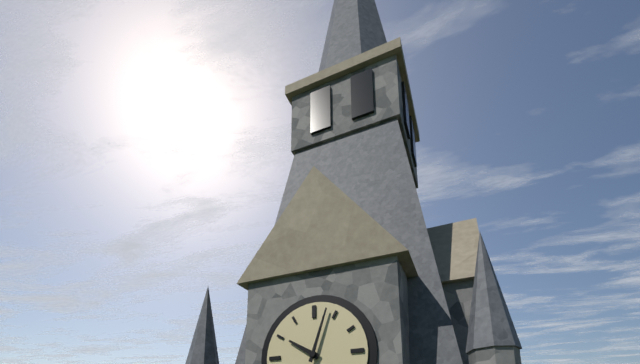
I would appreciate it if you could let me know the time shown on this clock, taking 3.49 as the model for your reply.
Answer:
10.03
